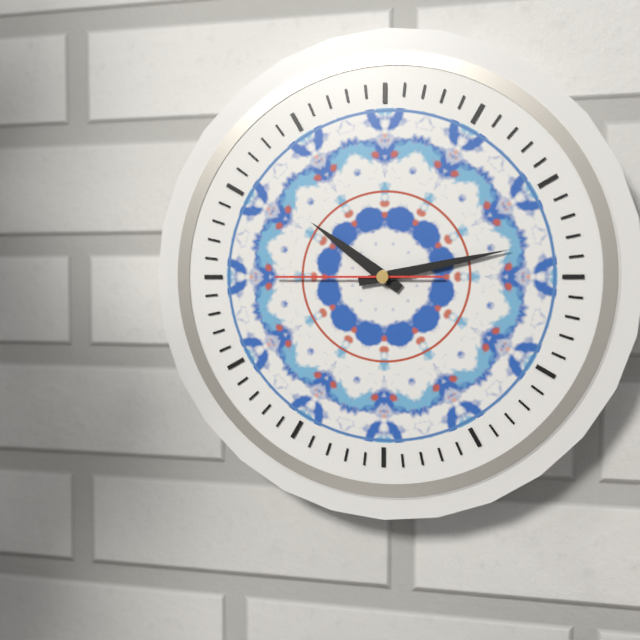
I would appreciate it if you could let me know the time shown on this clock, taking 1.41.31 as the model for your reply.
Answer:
10.13.45
